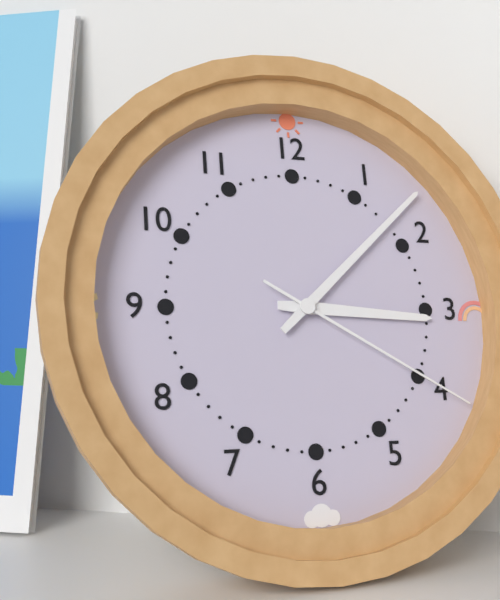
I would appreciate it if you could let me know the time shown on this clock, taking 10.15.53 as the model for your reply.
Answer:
3.08.20
